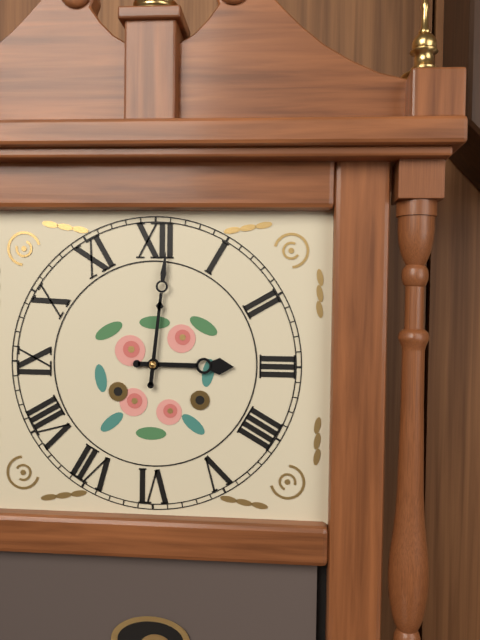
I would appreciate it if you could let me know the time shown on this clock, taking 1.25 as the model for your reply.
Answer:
3.01
